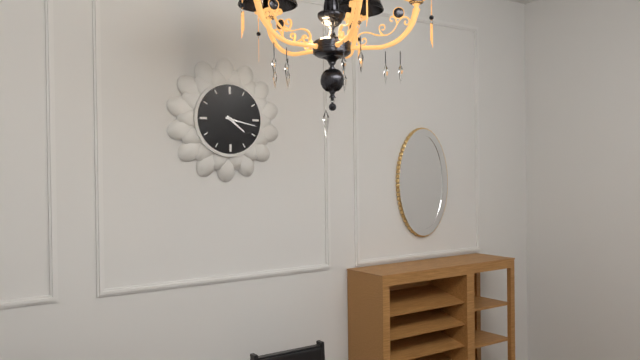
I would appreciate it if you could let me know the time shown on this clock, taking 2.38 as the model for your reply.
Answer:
4.17
